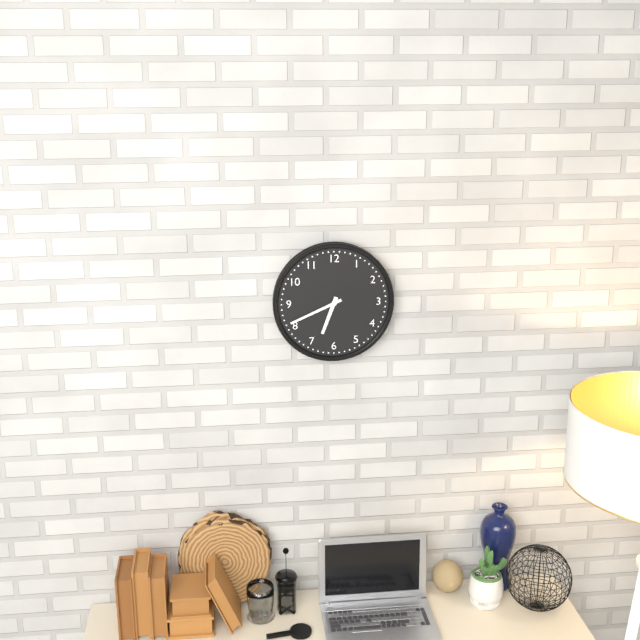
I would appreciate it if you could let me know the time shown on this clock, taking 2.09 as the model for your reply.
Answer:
6.41
